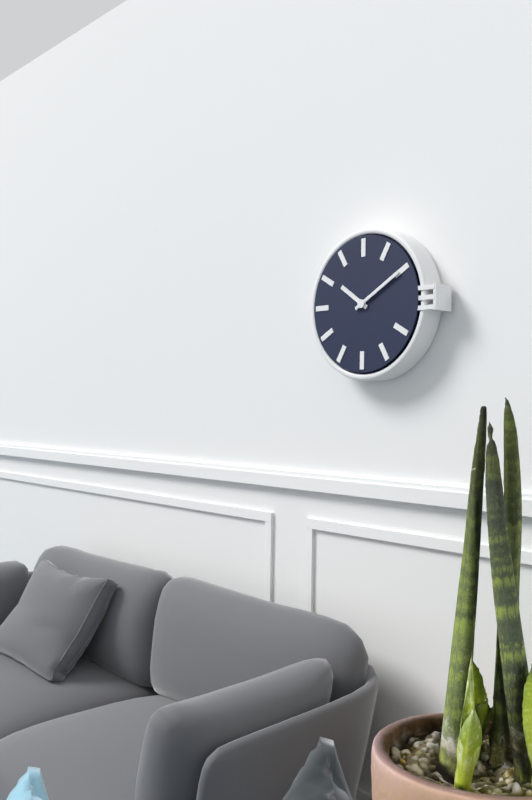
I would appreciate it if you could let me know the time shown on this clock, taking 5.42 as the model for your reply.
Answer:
10.10
